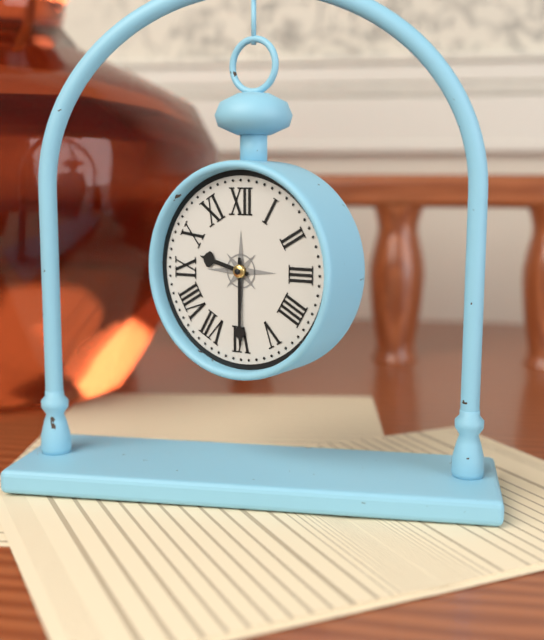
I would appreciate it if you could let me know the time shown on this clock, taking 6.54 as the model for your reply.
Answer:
9.30
